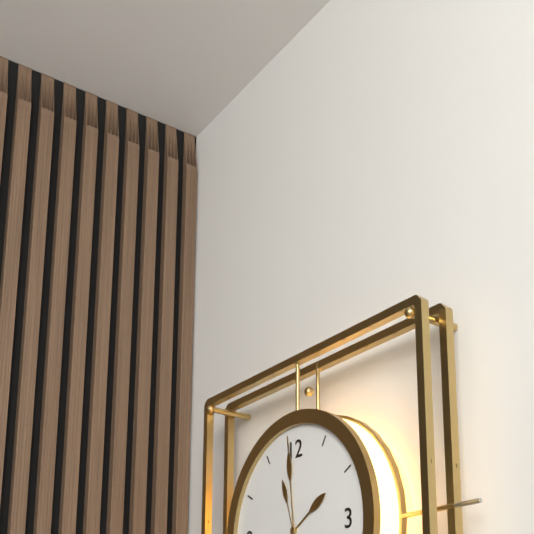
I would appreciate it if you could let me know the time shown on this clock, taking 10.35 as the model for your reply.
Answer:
1.59
